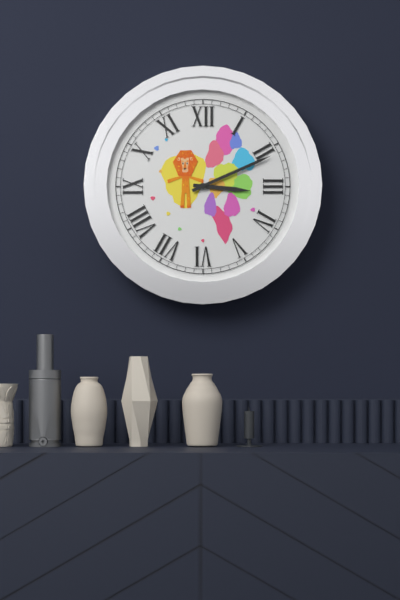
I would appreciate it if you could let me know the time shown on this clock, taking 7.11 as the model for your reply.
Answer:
3.11
